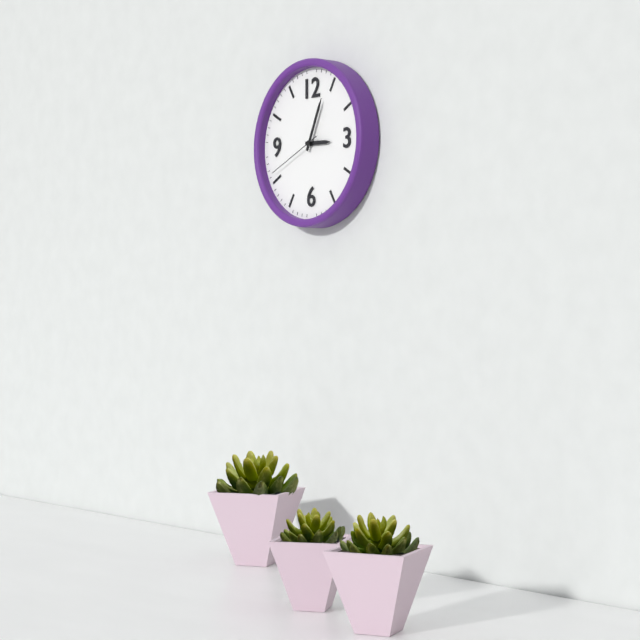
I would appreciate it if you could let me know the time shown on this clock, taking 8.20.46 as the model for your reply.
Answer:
3.04.41
